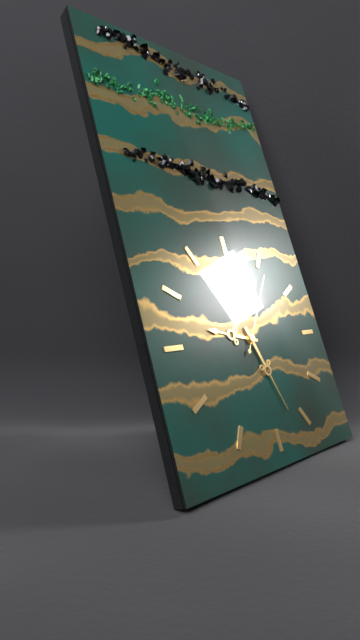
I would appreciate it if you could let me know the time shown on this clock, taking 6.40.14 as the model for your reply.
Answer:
9.27.06
